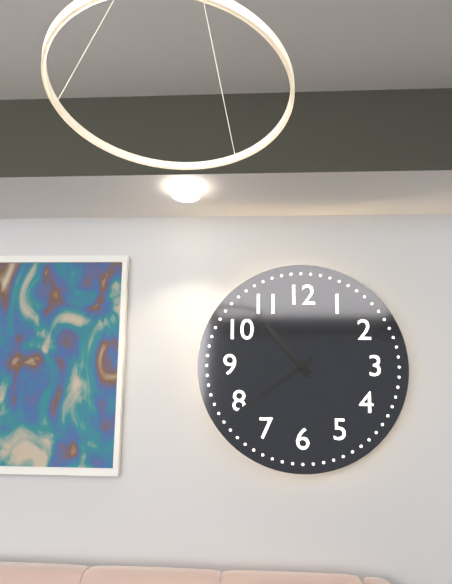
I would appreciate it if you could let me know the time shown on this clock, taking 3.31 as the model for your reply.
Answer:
10.39
